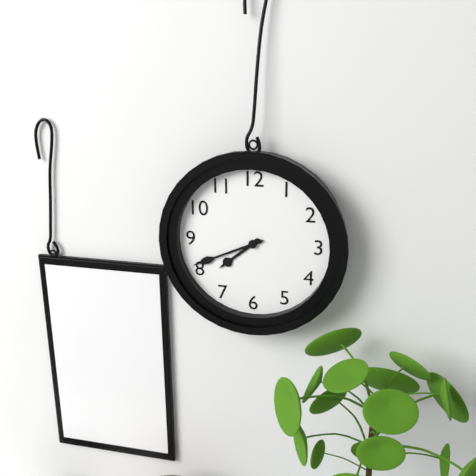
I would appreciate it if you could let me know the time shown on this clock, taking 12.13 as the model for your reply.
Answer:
7.41
